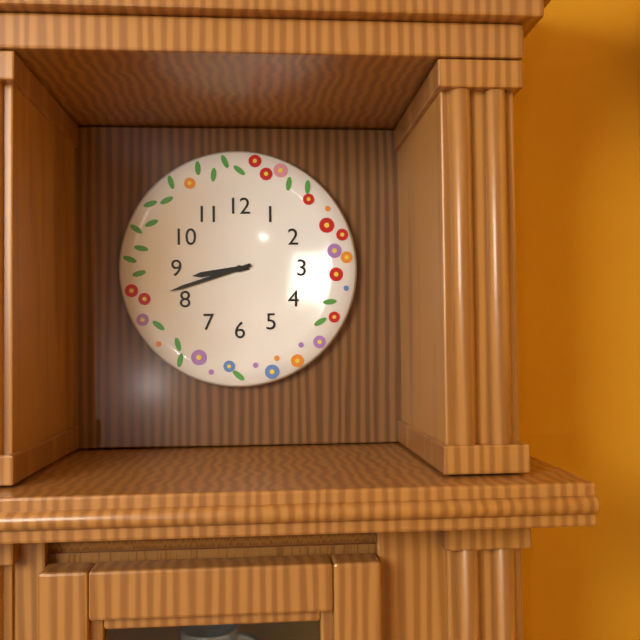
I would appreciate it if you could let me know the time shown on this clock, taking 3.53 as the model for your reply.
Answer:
8.42
